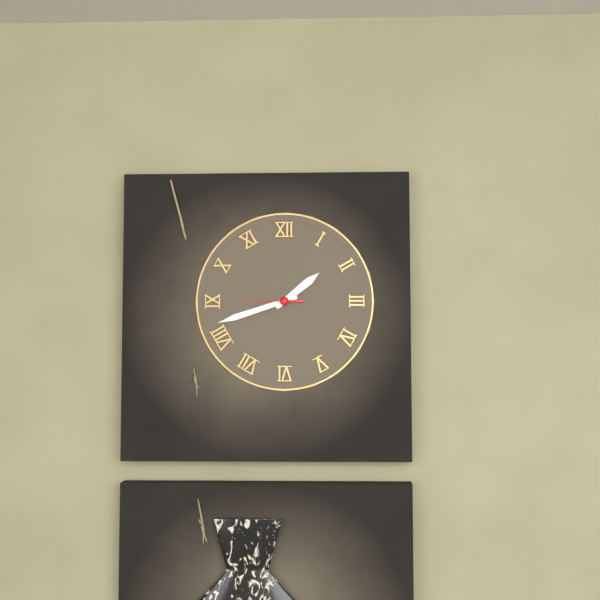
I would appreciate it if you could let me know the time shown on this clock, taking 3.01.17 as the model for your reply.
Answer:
1.42.45
